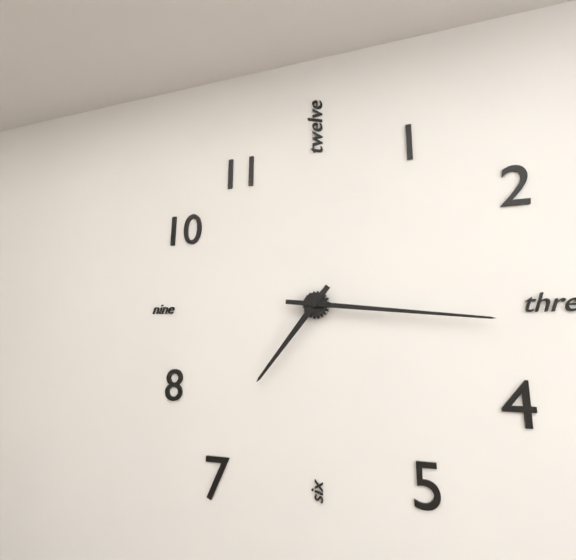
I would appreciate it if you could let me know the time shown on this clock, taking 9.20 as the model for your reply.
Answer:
7.16
